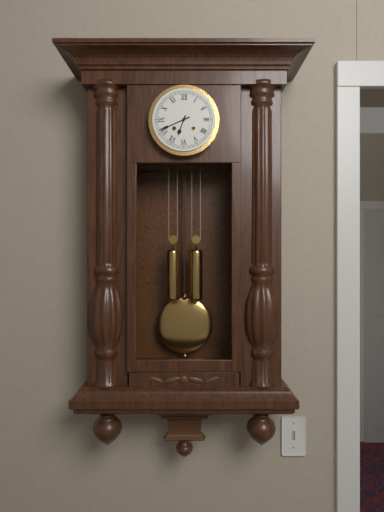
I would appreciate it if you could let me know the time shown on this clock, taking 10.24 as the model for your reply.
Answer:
6.41
